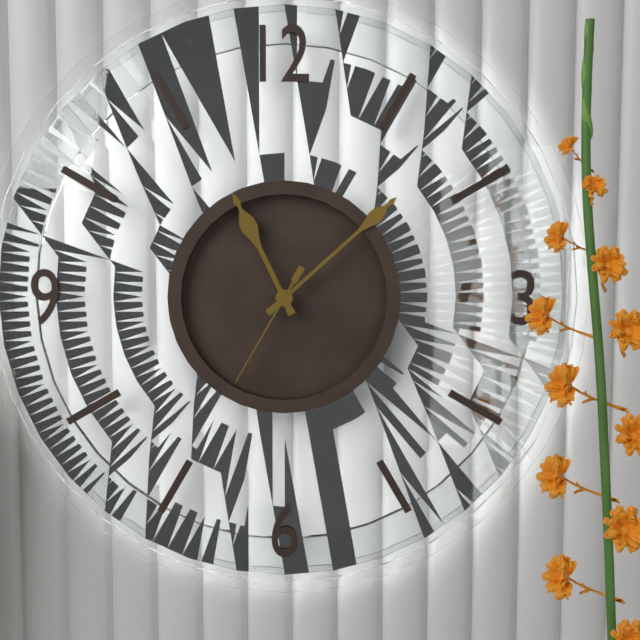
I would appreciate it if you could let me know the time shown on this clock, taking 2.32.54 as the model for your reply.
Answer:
11.08.35
